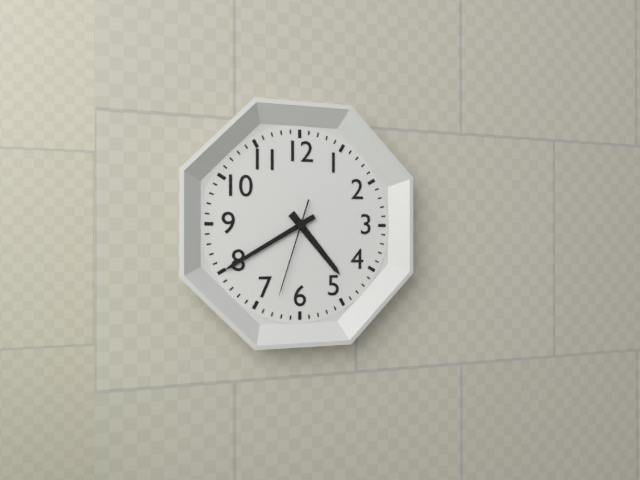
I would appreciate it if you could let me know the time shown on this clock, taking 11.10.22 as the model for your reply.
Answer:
4.40.33
